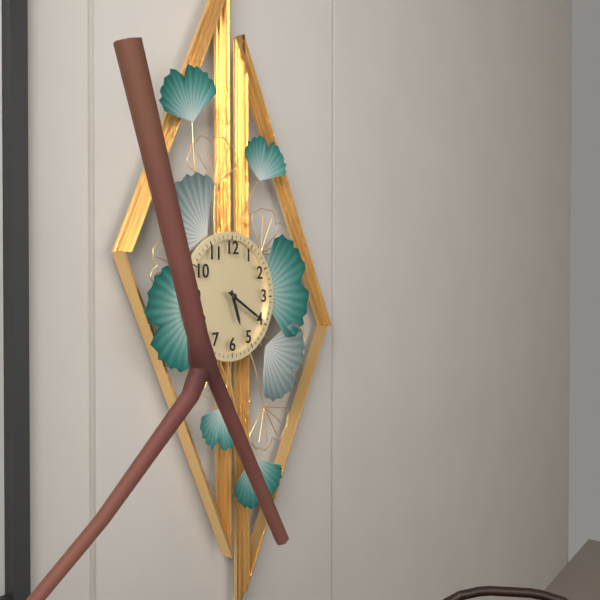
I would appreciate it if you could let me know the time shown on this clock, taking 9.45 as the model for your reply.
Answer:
5.20
